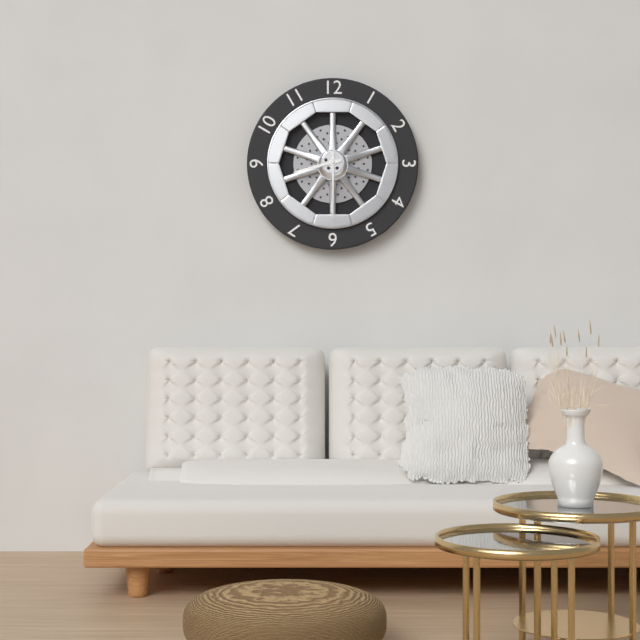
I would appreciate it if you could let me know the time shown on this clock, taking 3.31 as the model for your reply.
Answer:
8.30
